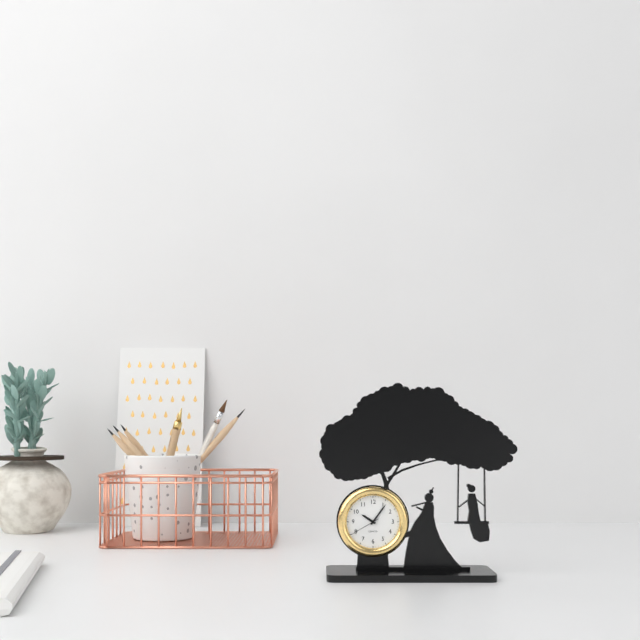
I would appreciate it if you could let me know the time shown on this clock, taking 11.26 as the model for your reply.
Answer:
10.06
